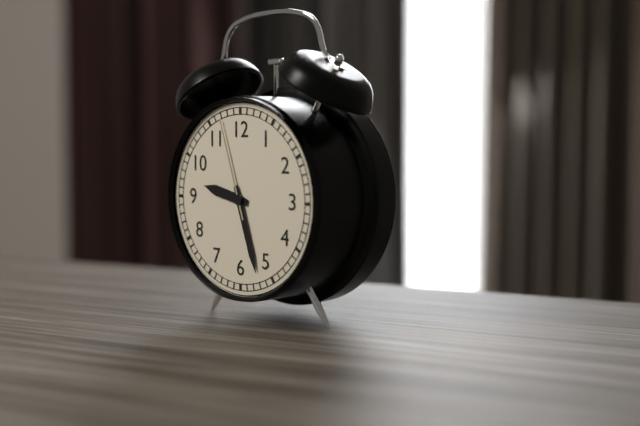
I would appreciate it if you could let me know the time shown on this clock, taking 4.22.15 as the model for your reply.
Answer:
9.27.57
